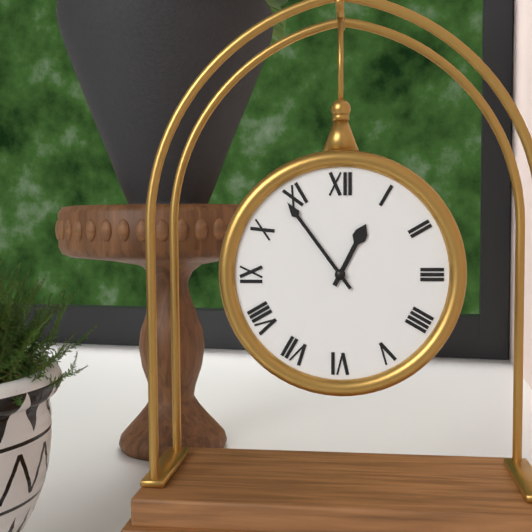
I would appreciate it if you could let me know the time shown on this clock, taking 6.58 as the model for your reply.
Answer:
12.54
